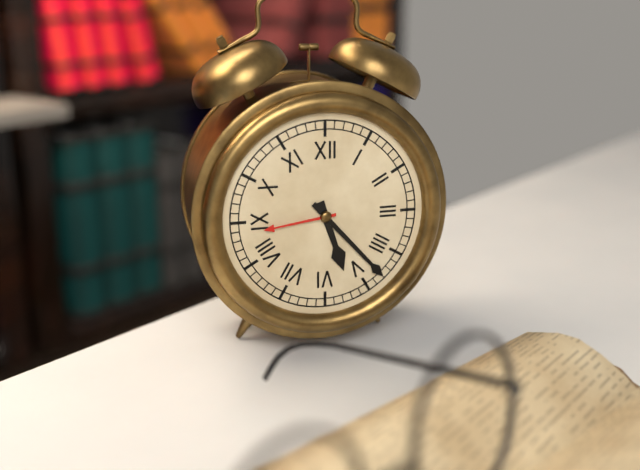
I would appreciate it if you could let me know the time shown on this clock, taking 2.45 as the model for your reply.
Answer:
5.23
